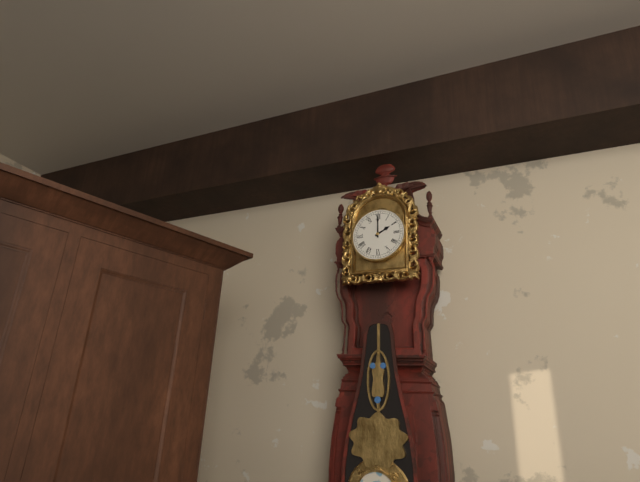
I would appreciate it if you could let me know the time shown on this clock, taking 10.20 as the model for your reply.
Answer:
2.00
